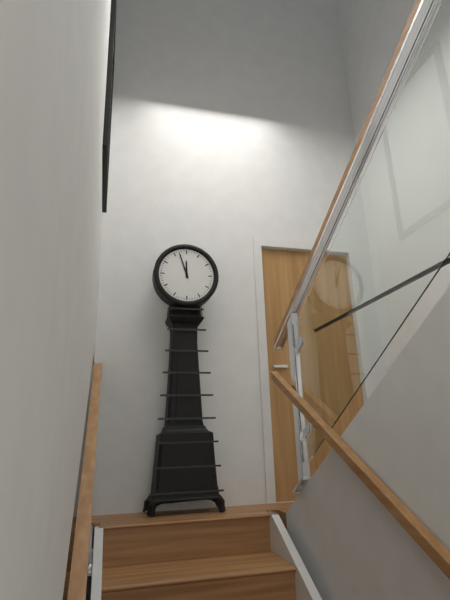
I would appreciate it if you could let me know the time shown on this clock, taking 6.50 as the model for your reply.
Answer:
11.57
